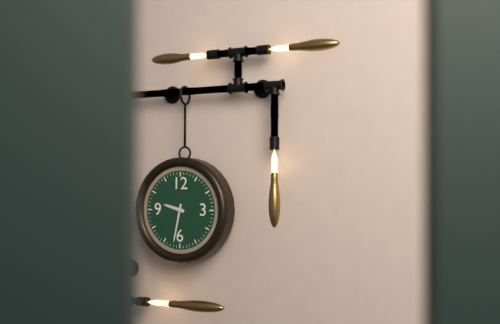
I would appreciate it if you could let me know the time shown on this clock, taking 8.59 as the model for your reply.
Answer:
9.32
